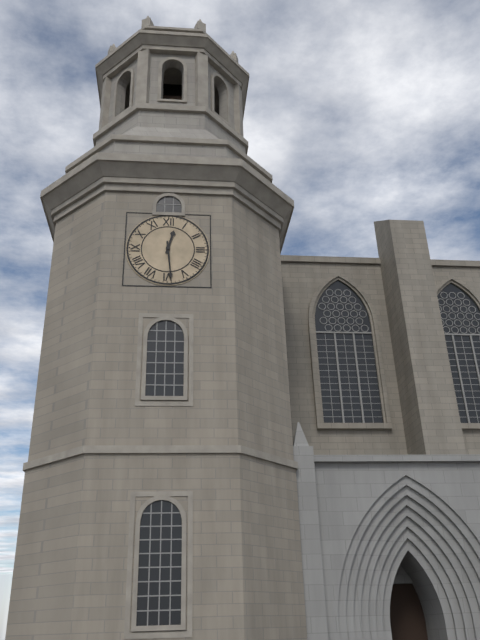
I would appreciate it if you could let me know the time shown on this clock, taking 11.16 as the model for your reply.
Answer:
12.29
